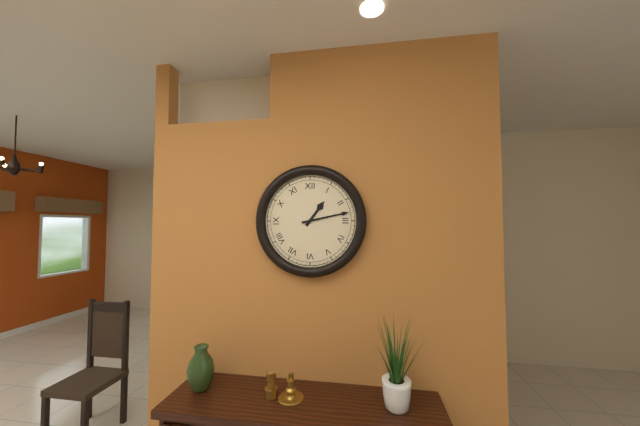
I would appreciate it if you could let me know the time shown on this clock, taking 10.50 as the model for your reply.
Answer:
1.13
